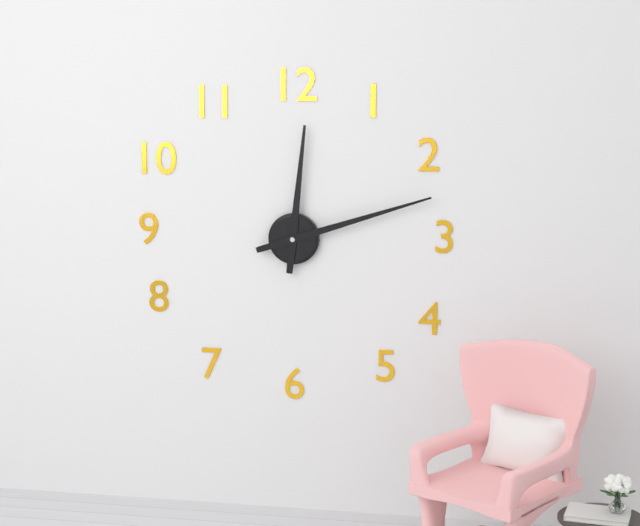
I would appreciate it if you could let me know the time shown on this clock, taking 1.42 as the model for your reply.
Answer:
12.12
